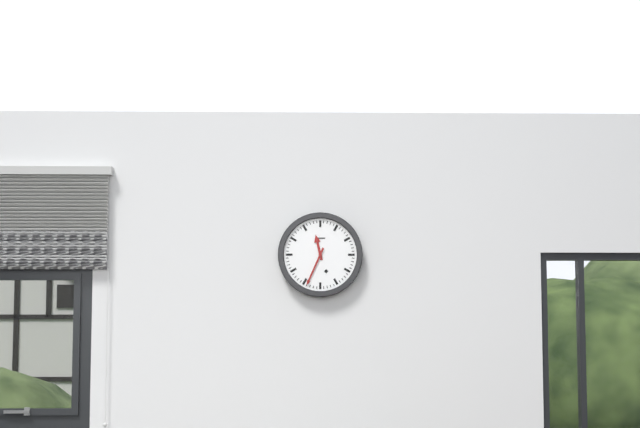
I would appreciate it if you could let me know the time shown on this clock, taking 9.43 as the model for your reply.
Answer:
11.34
